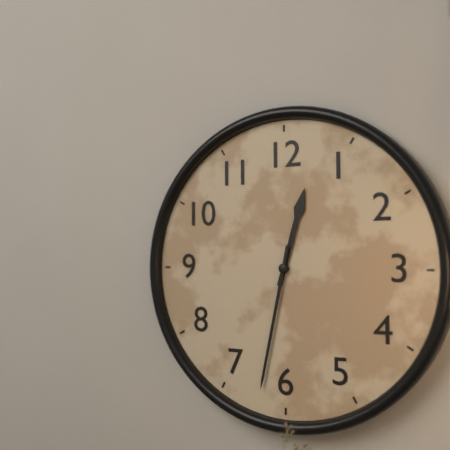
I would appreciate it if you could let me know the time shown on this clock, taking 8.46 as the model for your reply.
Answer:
12.32
